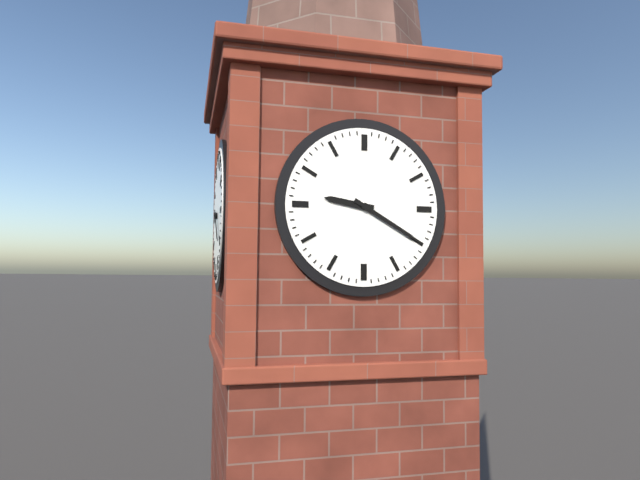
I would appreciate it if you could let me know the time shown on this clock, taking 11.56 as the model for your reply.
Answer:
9.20
